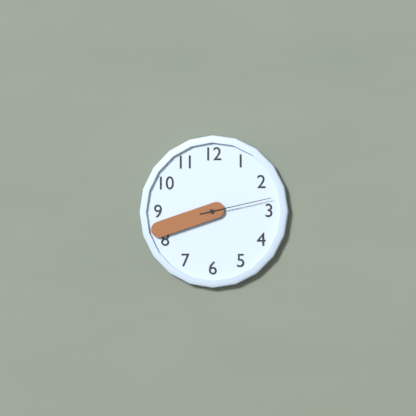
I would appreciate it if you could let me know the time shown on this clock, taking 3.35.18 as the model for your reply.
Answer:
8.42.13
